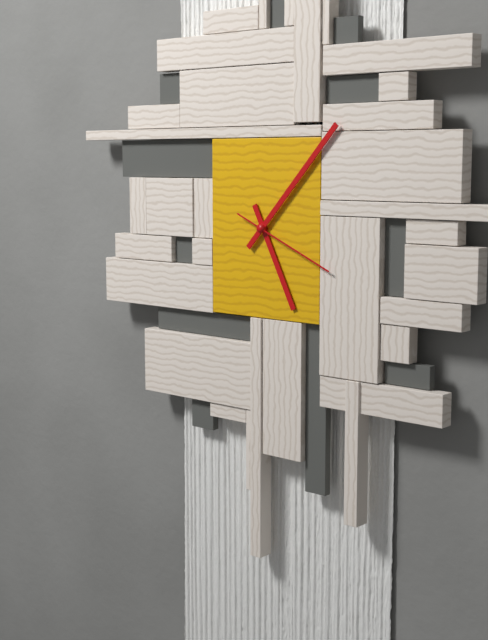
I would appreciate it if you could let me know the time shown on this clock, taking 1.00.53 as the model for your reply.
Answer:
5.07.19
